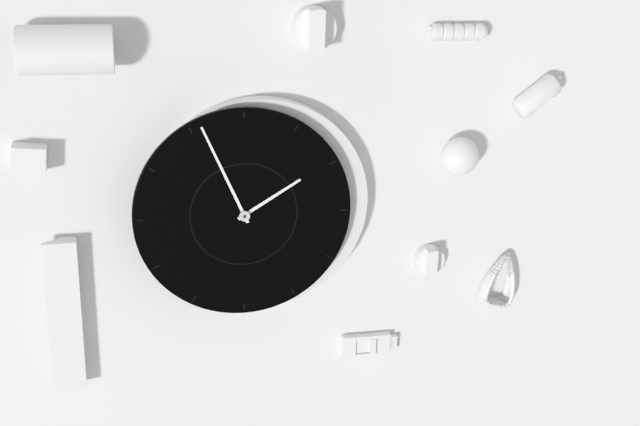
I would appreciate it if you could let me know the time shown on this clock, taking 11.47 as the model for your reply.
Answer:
1.56
